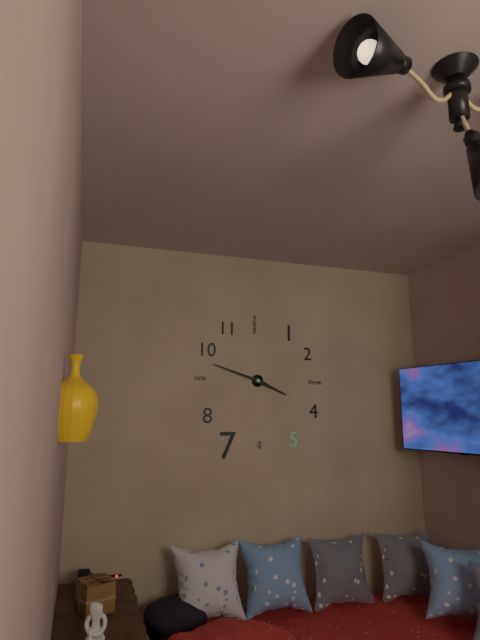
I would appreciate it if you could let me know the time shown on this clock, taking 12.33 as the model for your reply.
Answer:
3.48
